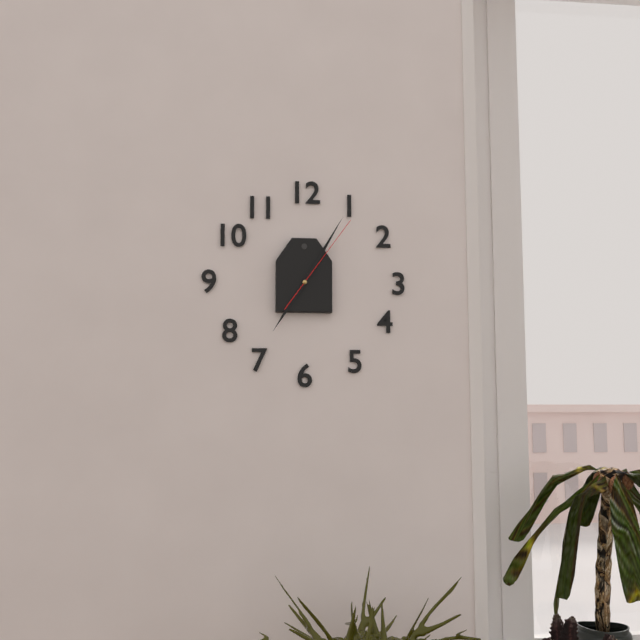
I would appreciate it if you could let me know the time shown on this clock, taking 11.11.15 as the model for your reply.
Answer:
7.05.06
